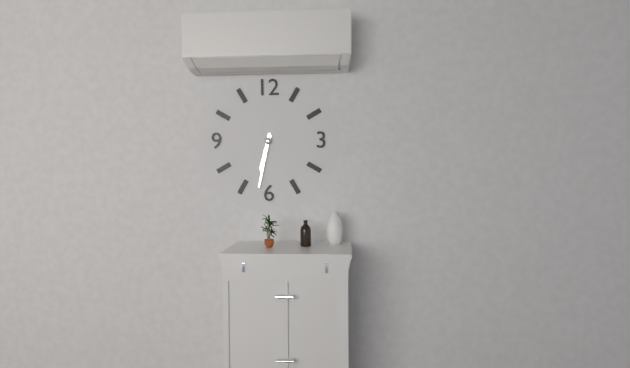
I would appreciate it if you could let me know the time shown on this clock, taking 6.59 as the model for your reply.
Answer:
6.32
